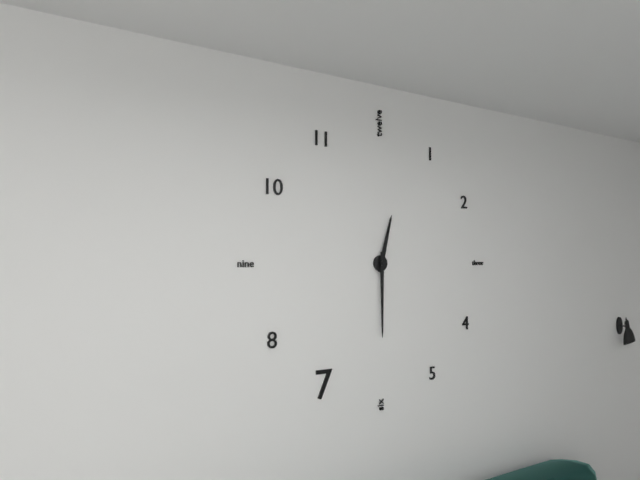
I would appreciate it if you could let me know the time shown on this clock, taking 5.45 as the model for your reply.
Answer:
12.30
